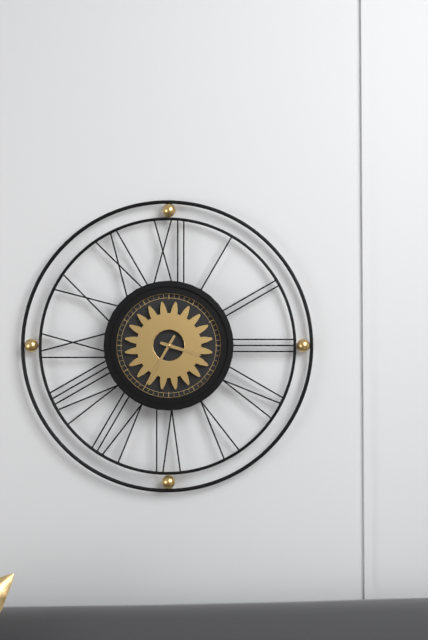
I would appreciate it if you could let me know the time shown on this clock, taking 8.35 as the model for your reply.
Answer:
3.35
